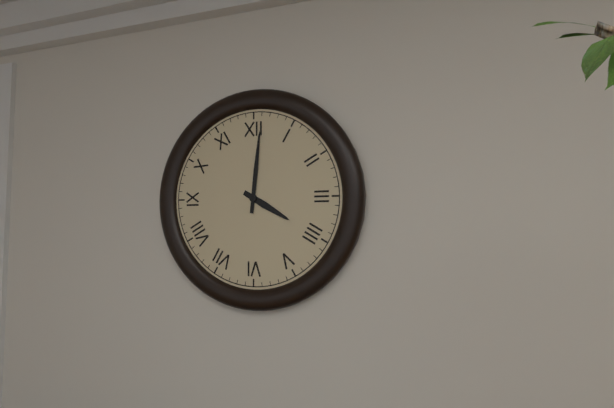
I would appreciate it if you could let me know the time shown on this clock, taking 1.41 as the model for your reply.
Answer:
4.01
